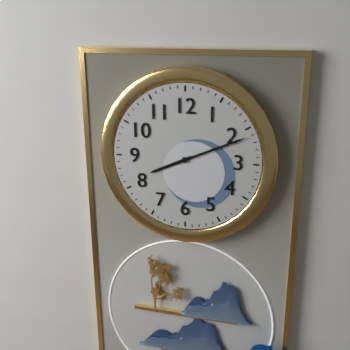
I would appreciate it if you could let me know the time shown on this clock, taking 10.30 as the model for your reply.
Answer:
8.11
